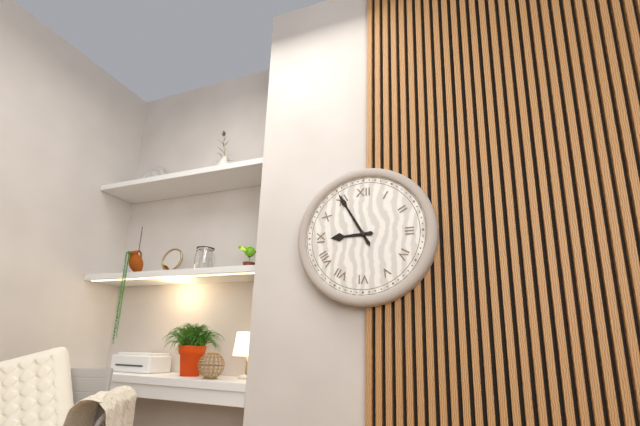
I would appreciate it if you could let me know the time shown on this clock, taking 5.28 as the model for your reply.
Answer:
8.55
